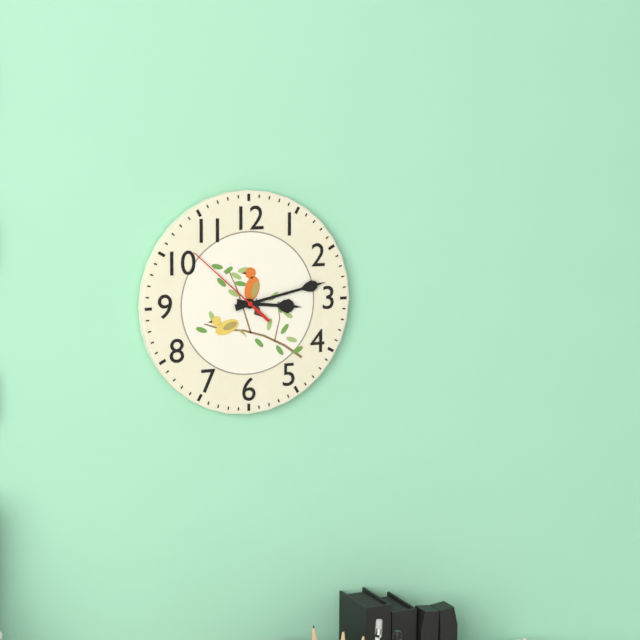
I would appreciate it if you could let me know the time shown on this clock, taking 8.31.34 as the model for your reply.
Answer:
3.13.52
